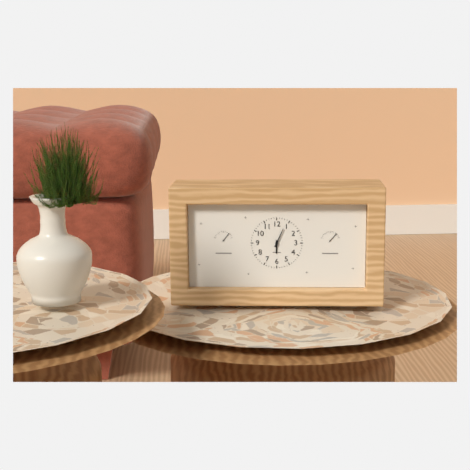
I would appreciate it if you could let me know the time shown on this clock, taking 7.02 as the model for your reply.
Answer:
6.04
